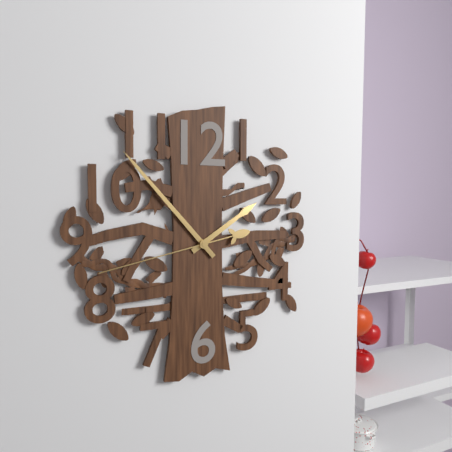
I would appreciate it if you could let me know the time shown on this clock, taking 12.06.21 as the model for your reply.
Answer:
1.53.43
